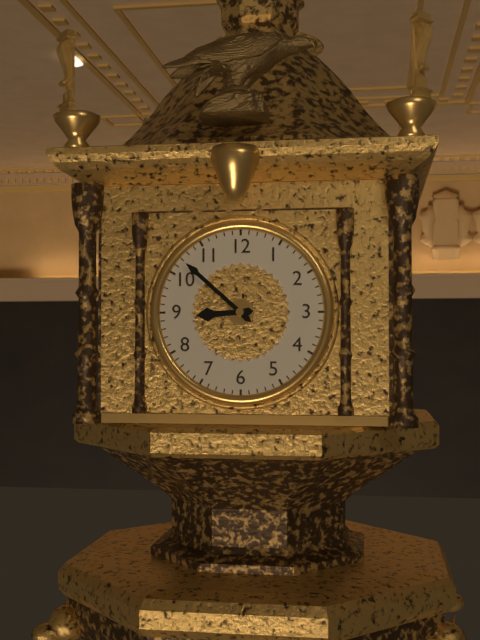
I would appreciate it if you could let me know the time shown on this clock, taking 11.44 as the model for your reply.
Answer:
8.52
